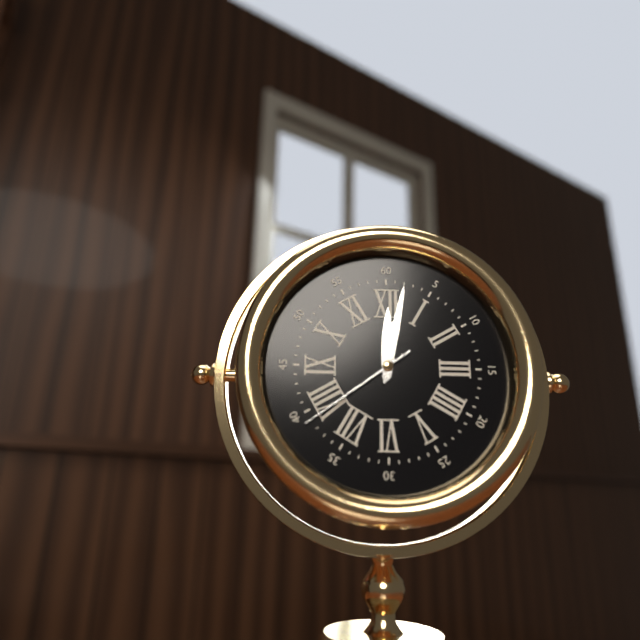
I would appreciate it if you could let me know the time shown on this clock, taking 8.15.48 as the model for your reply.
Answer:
12.02.39
